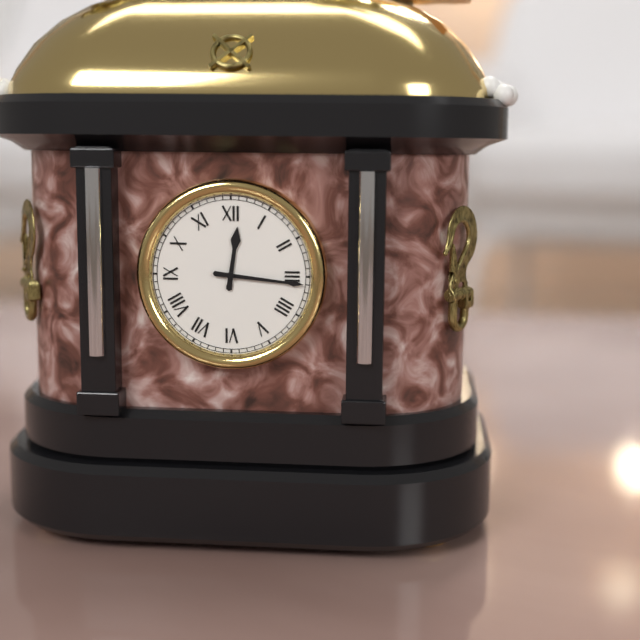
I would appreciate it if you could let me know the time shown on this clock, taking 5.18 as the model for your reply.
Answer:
12.16
